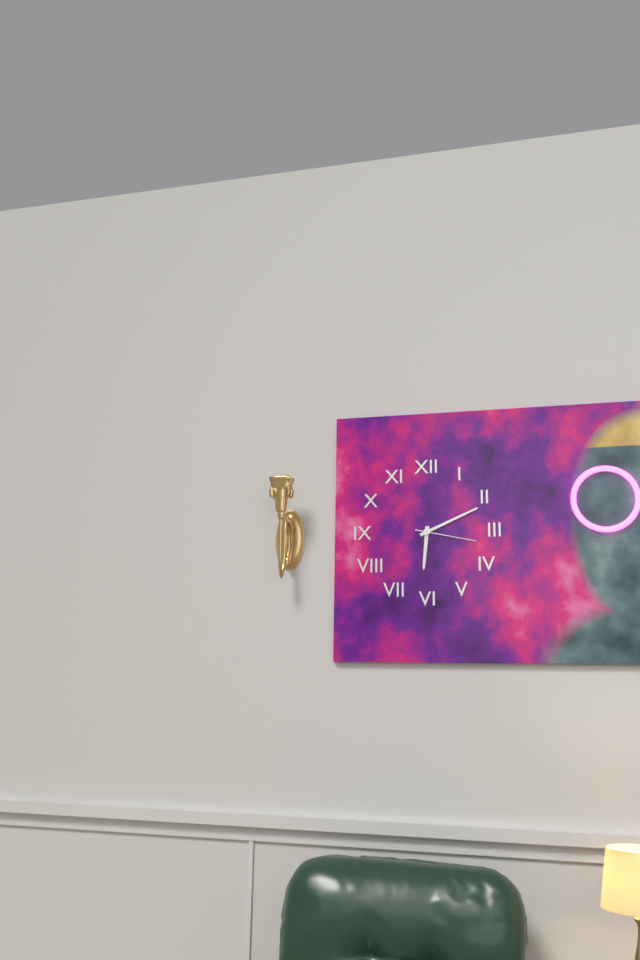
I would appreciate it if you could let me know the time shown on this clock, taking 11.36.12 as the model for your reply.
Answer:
6.11.17
